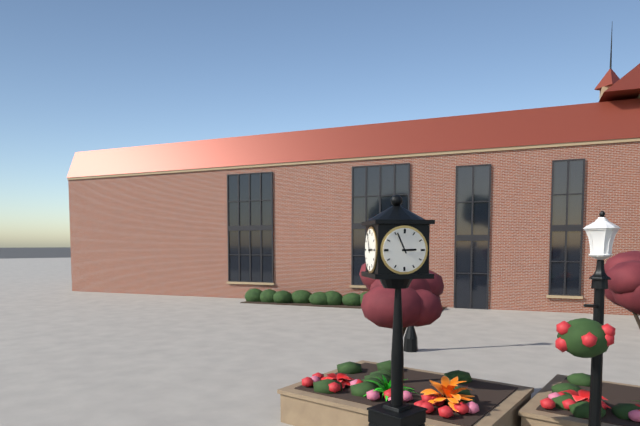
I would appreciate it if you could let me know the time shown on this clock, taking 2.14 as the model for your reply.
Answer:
2.56
